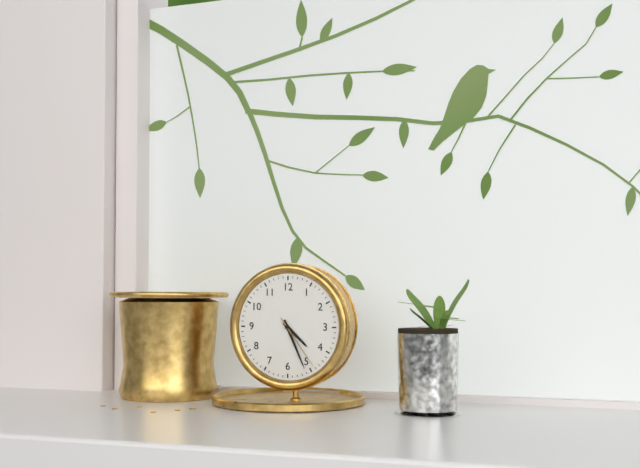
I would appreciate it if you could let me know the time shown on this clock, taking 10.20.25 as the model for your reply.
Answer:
4.26.24
